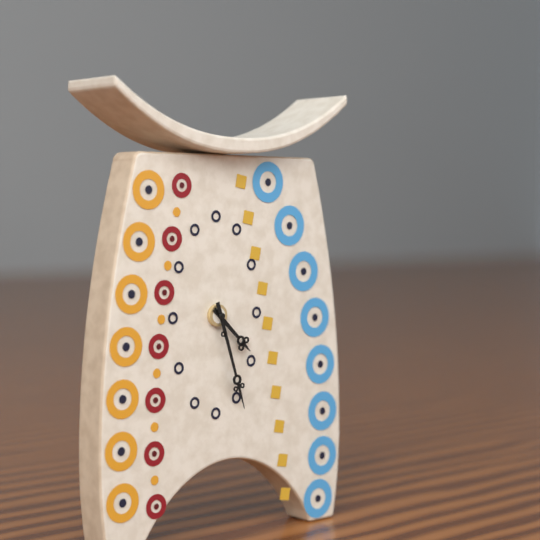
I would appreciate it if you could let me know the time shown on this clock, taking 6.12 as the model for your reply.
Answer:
4.27
